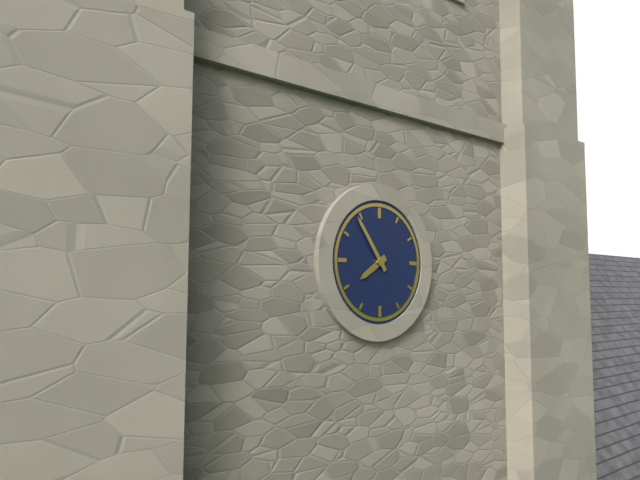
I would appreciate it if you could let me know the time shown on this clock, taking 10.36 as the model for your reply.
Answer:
7.54
